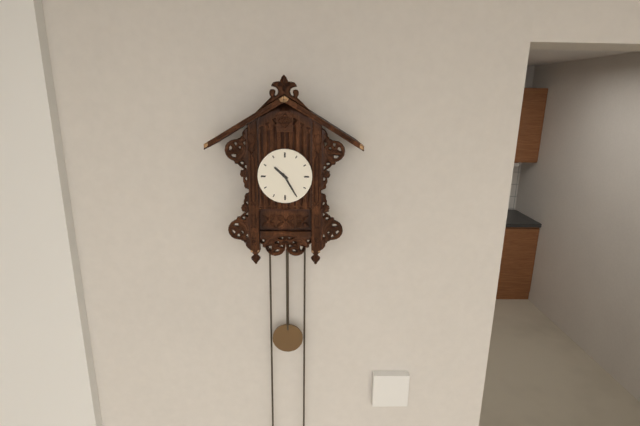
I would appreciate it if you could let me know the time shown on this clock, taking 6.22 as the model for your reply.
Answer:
10.25
